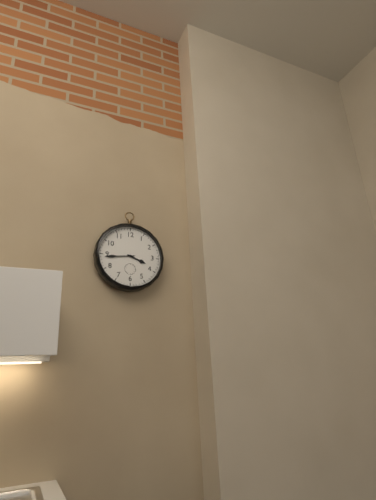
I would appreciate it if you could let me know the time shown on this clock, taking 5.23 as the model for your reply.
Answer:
3.44
